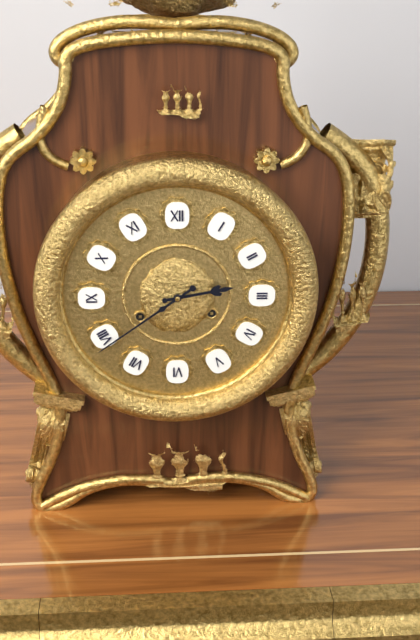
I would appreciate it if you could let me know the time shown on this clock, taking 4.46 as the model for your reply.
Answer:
2.39
